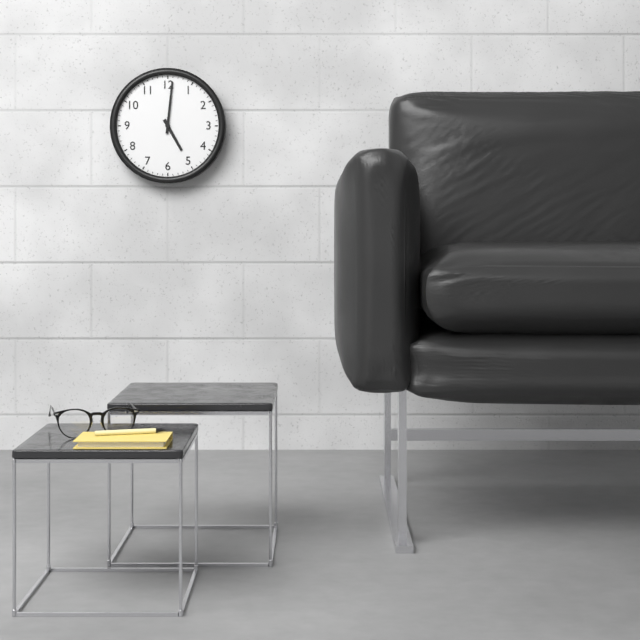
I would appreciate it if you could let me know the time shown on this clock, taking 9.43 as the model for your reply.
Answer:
5.01
